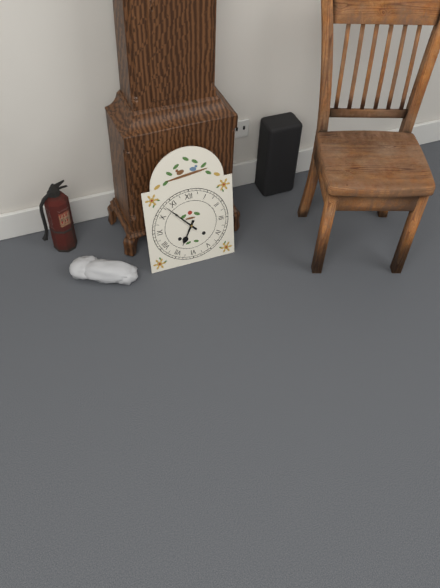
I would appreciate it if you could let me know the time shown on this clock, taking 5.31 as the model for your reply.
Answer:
6.53
